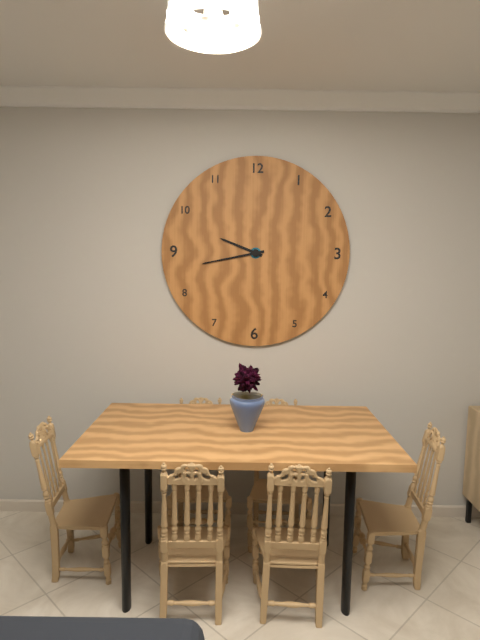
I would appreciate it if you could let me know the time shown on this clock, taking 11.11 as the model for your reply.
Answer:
9.43
